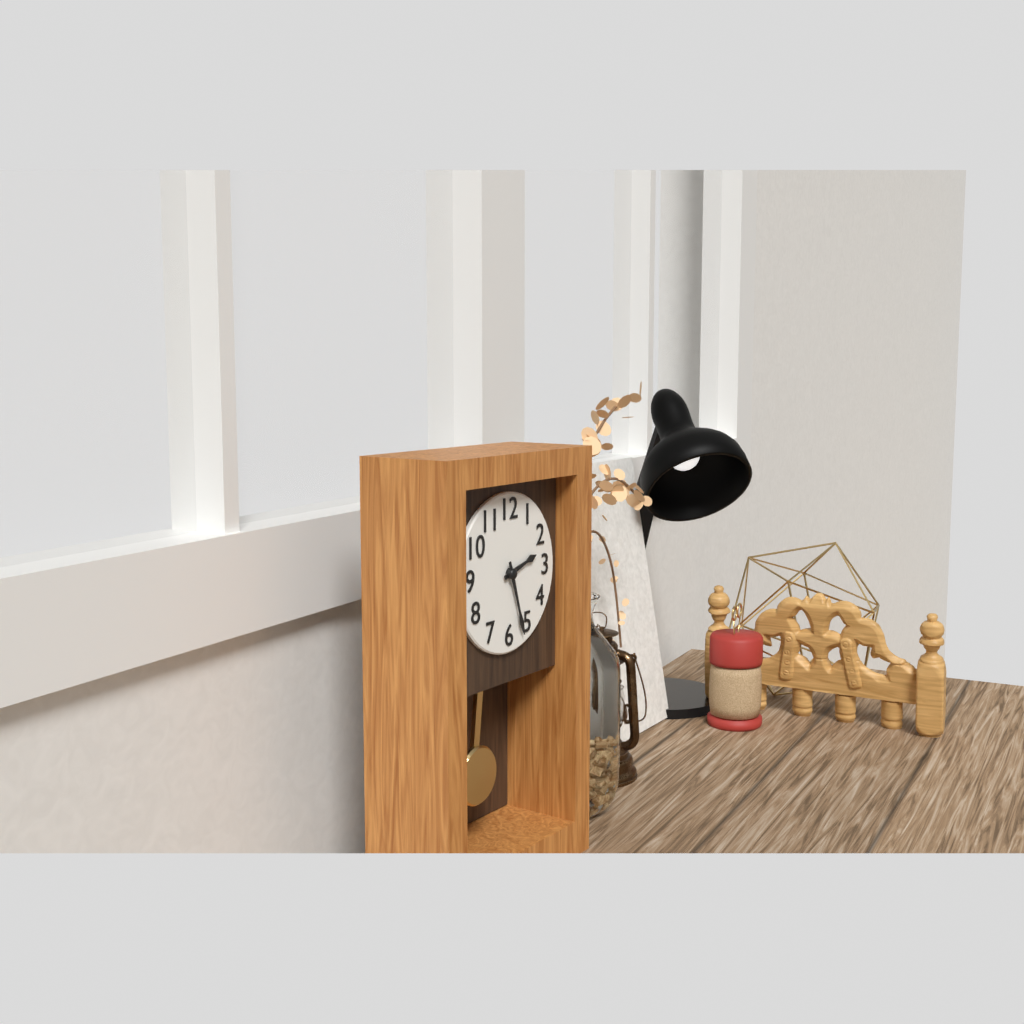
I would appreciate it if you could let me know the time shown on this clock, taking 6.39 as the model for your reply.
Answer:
2.27
